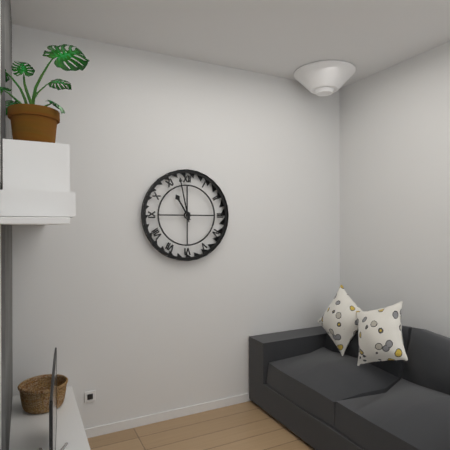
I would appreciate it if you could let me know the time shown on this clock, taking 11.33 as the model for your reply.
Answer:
10.58
